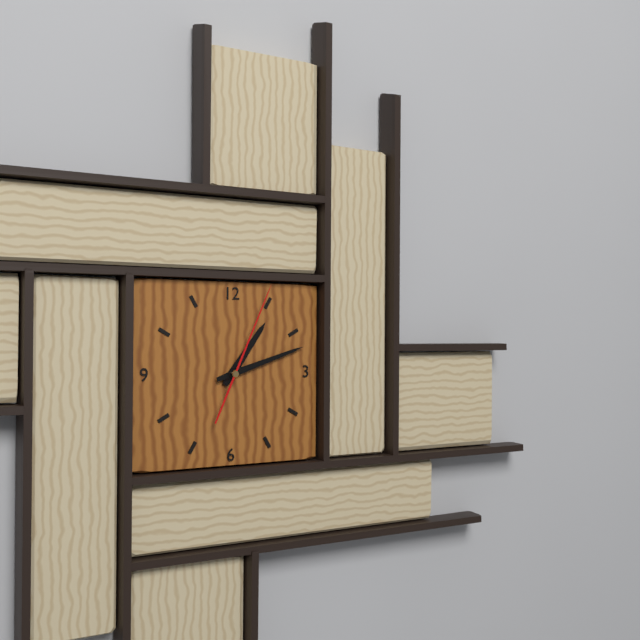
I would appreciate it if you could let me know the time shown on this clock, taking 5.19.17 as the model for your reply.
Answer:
1.12.04
